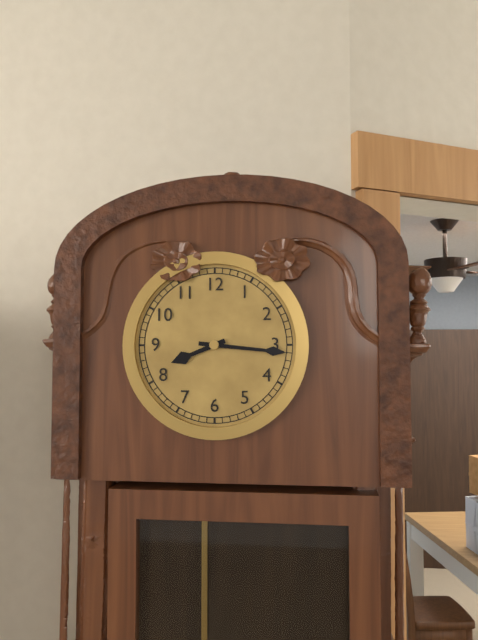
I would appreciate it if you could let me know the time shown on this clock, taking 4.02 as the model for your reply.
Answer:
8.16
